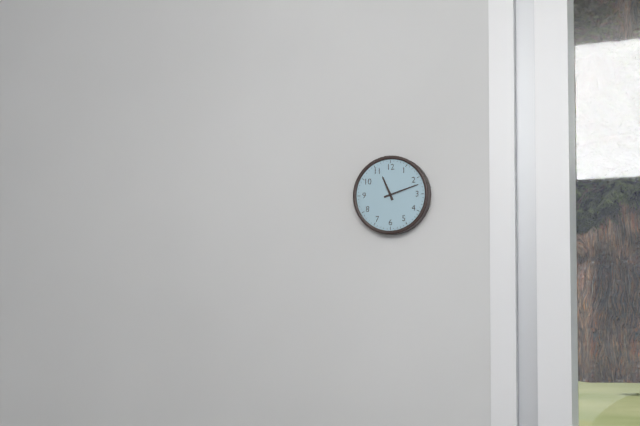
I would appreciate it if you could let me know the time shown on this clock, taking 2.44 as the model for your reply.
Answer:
11.12
